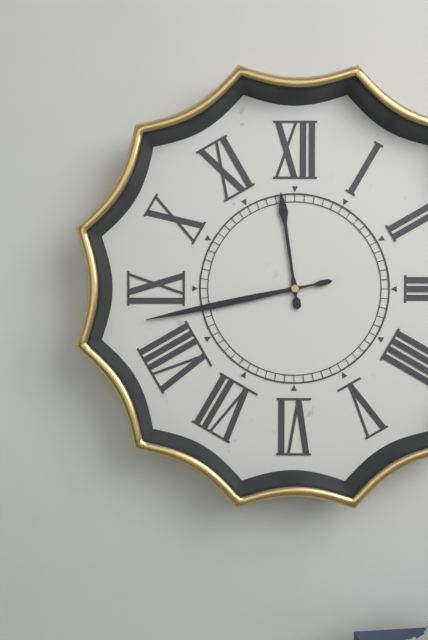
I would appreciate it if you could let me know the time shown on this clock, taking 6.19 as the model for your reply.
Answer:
11.43
